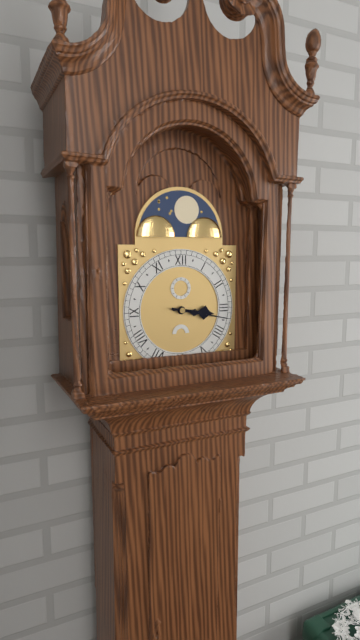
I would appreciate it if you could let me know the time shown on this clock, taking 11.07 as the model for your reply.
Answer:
3.17
